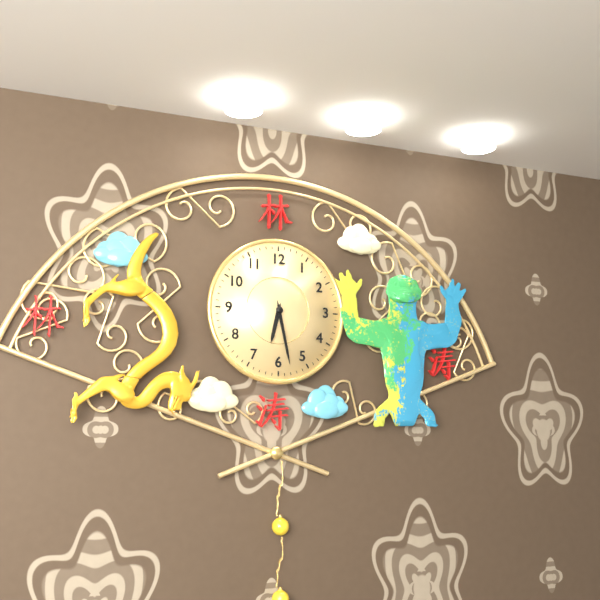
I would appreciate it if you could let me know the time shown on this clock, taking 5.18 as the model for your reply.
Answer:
6.28
